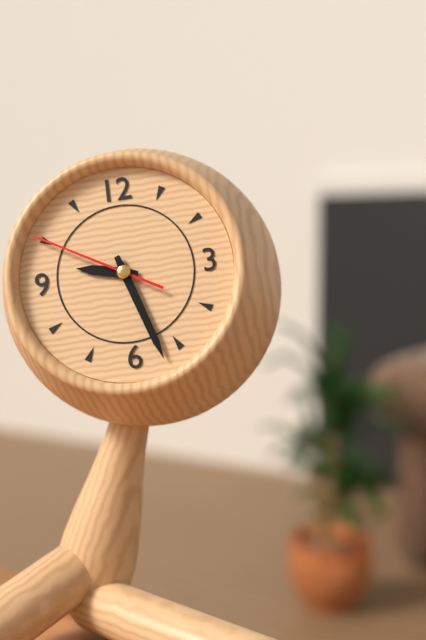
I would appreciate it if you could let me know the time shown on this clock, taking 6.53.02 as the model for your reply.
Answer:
9.27.50
